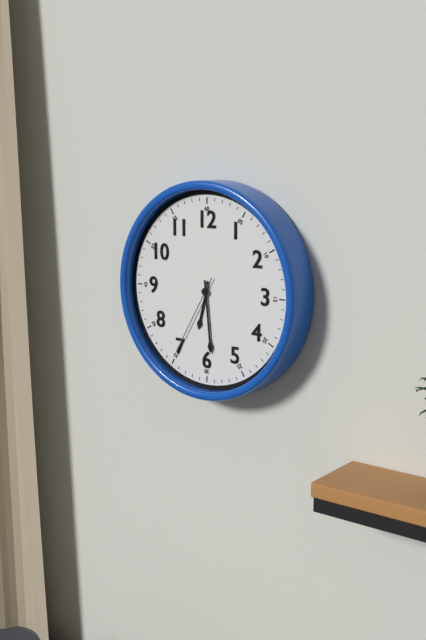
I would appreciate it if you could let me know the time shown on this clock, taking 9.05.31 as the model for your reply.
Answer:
6.29.35
